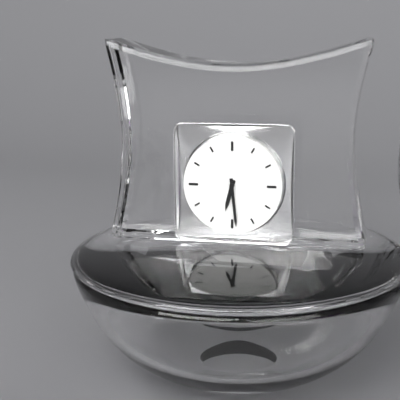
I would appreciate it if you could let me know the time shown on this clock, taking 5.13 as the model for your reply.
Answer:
6.29
